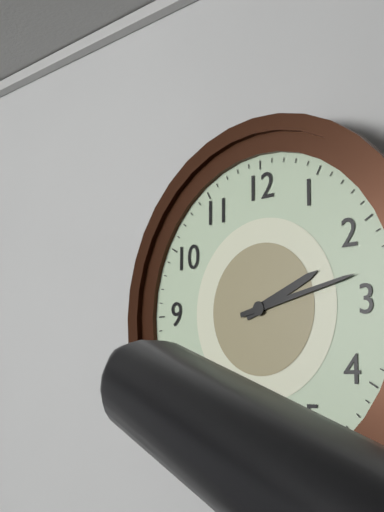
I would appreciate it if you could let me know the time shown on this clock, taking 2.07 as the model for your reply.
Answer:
2.13
